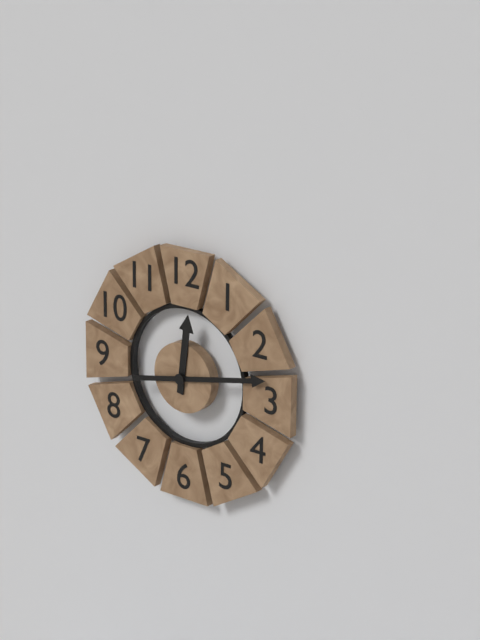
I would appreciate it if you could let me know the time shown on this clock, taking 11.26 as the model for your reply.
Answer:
12.13
